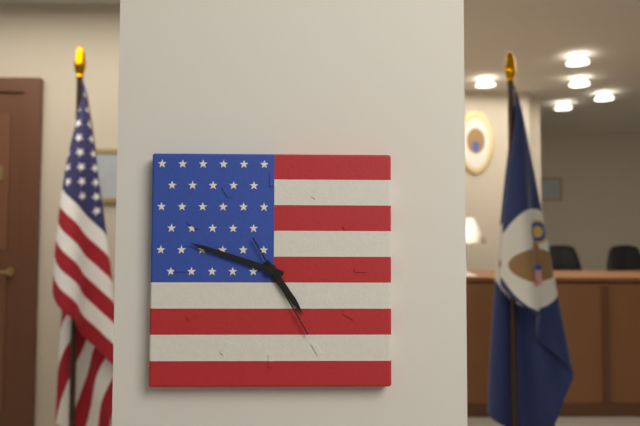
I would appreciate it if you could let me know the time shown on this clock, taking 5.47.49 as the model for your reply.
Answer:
4.48.25
